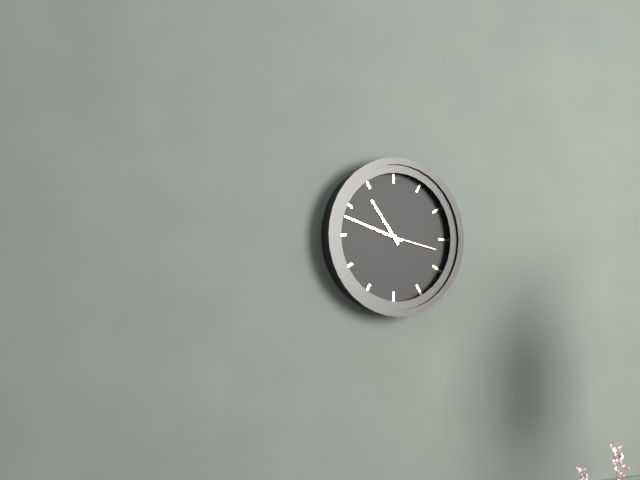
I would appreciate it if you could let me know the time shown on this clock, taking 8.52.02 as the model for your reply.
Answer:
10.48.17
